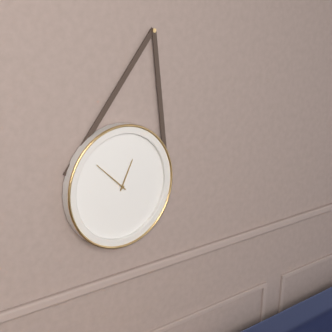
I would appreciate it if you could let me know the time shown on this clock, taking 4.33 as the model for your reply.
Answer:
12.52
